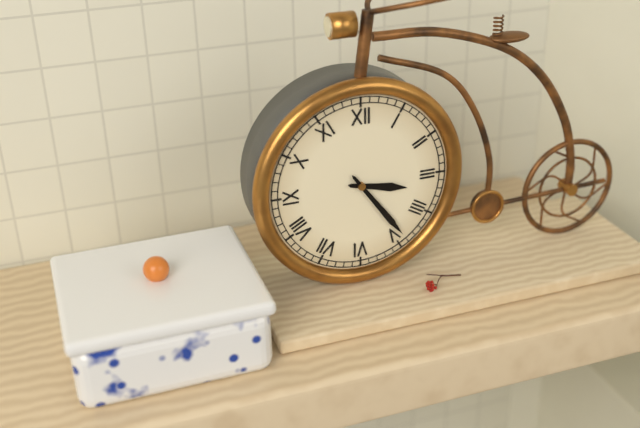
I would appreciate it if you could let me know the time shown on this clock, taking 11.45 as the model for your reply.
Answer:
3.24
